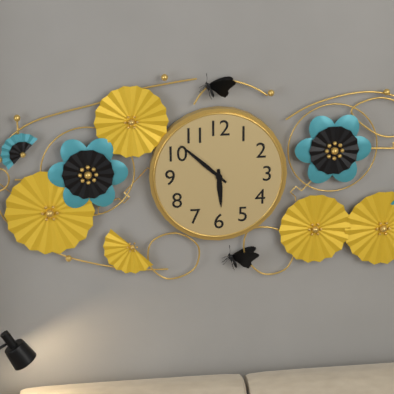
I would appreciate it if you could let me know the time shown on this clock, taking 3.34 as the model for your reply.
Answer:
5.52
